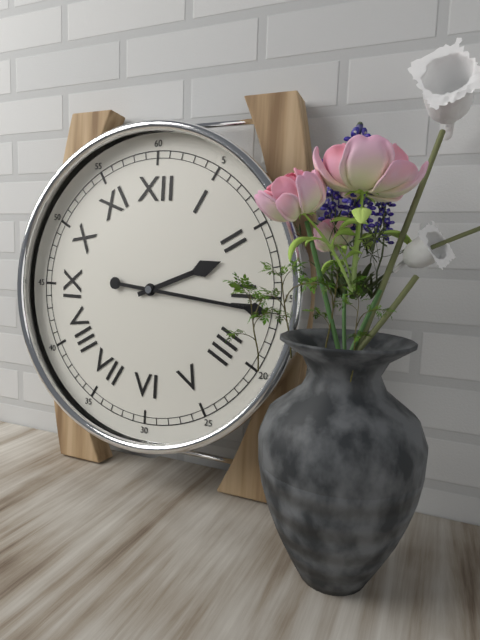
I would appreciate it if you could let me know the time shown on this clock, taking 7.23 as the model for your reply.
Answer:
2.16
